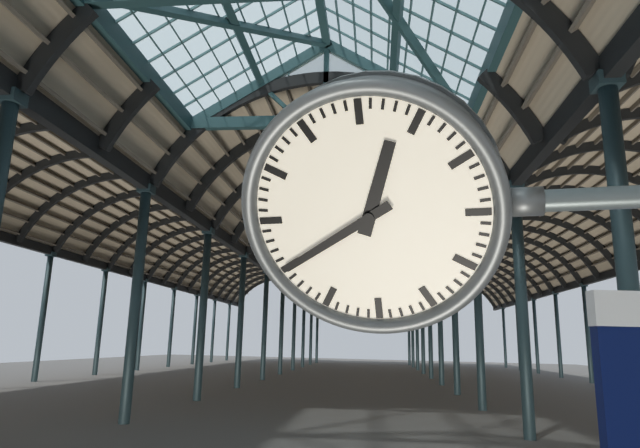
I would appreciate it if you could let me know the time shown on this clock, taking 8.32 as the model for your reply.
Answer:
12.40
